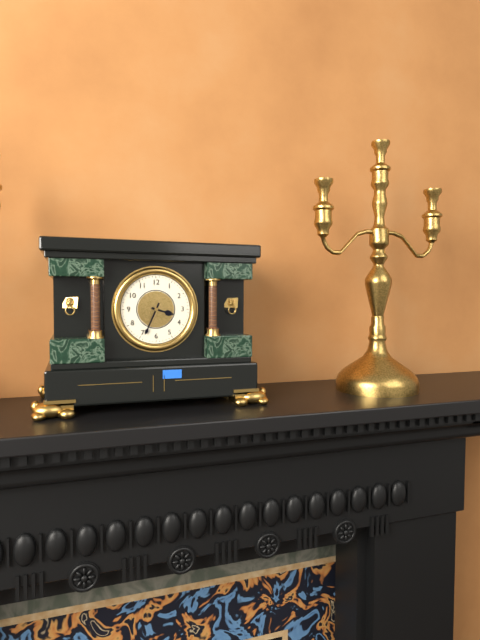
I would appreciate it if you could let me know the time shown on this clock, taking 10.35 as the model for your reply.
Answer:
3.34
